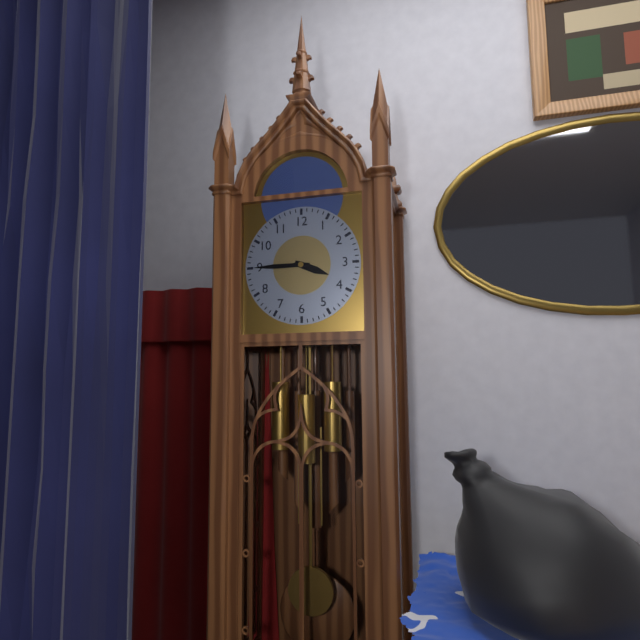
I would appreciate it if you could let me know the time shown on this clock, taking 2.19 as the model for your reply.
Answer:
3.45
